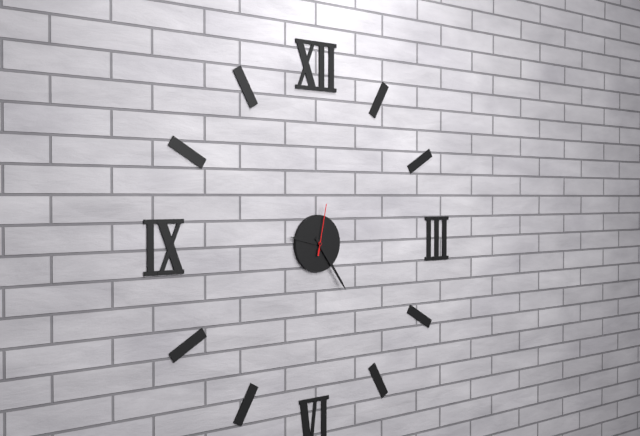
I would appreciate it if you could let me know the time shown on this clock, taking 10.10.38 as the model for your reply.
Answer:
9.24.02
